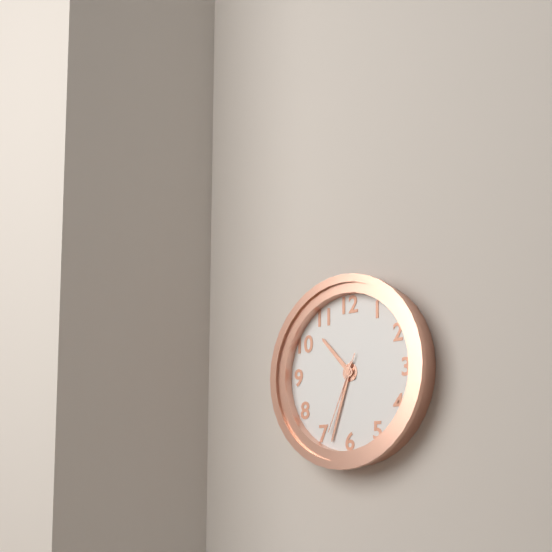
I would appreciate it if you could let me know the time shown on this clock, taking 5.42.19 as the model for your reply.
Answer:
10.33.34
